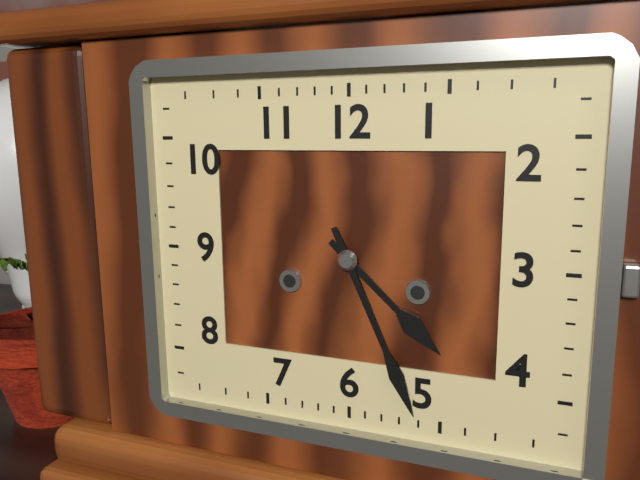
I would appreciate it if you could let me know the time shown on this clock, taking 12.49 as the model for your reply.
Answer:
4.26
